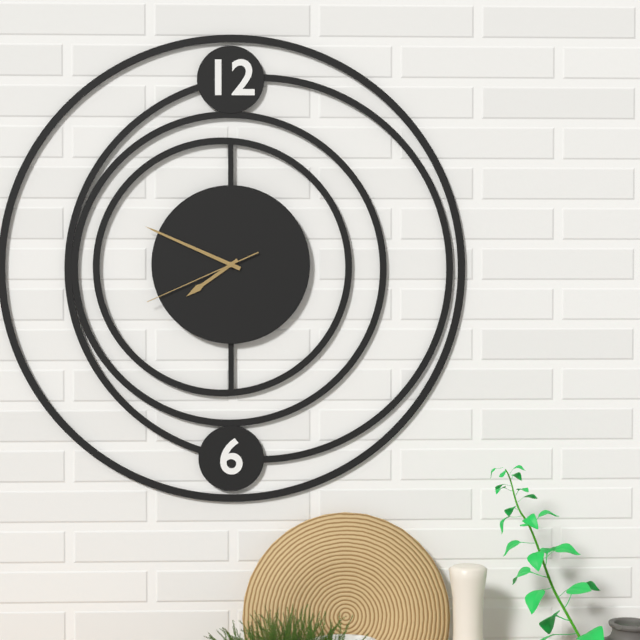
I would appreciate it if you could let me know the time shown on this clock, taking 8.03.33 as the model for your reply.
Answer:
7.49.41
